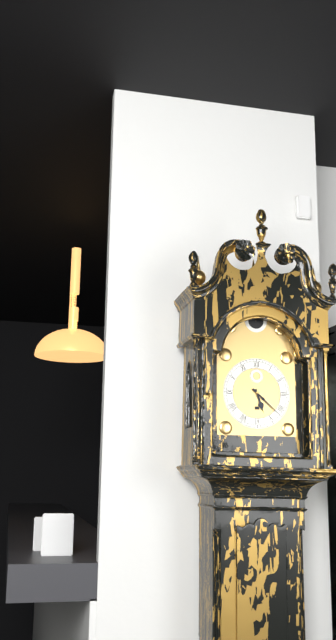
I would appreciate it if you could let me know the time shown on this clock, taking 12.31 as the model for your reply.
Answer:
5.22
